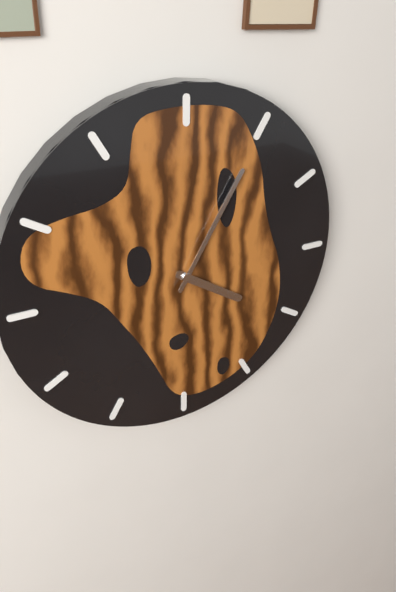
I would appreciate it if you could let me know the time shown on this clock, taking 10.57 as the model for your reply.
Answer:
4.05
